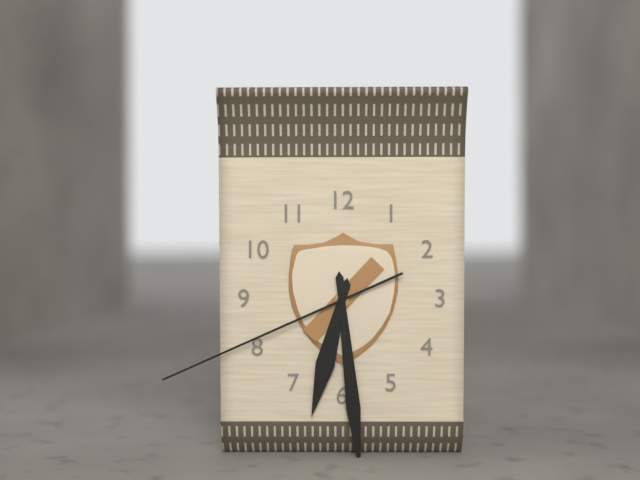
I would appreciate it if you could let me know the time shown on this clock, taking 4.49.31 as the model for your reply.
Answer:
6.29.41
